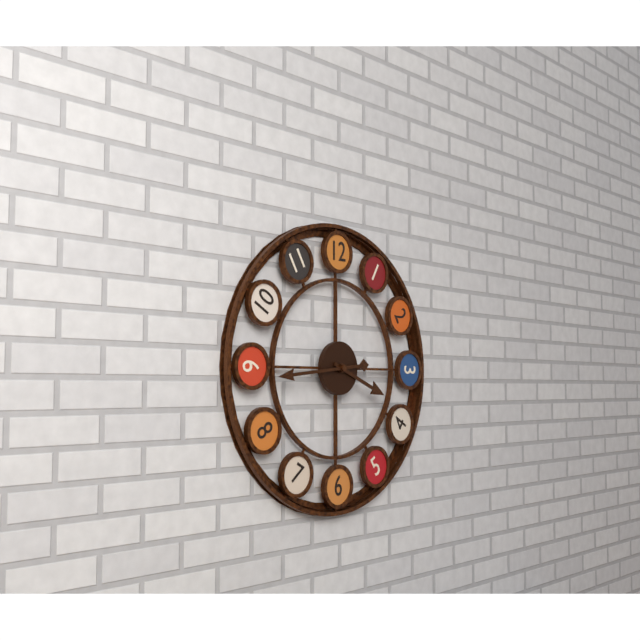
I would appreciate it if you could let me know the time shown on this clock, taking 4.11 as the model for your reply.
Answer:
3.44
